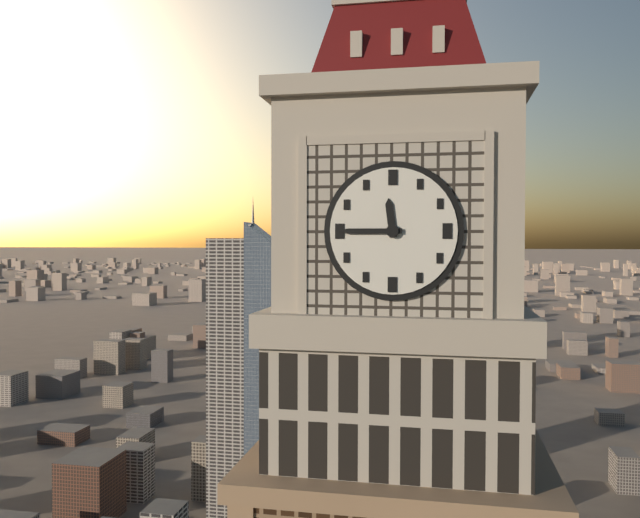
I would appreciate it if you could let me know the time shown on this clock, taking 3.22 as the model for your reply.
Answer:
11.45
